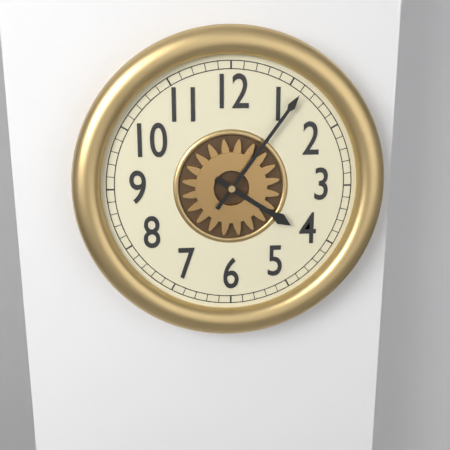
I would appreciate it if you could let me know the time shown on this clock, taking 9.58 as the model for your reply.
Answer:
4.06
